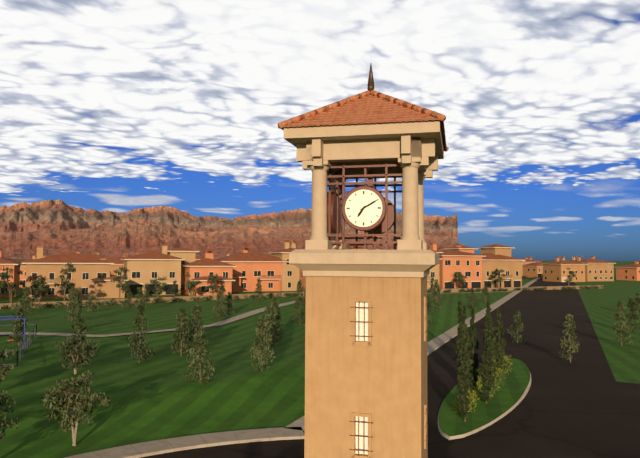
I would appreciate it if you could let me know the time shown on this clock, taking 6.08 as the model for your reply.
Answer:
7.10
